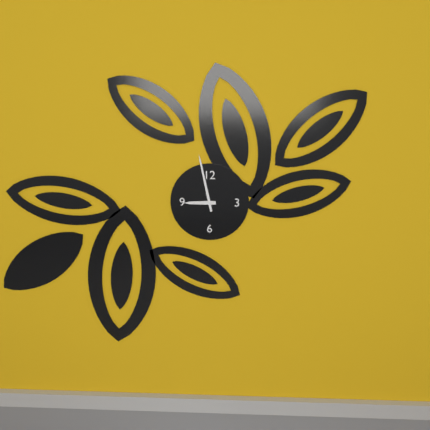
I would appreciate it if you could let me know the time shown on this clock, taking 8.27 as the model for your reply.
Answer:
8.58
